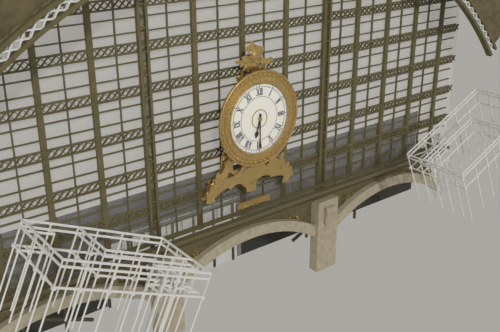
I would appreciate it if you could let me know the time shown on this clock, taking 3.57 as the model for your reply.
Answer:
6.30
